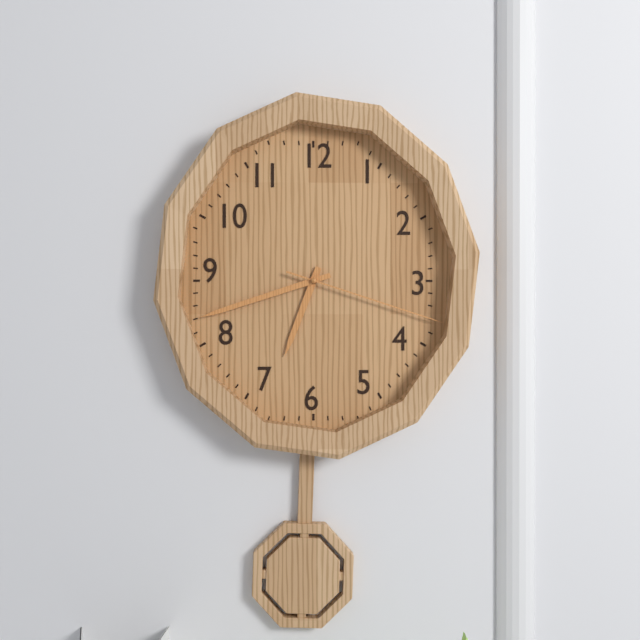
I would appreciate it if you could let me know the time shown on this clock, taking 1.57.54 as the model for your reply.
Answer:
6.42.18
